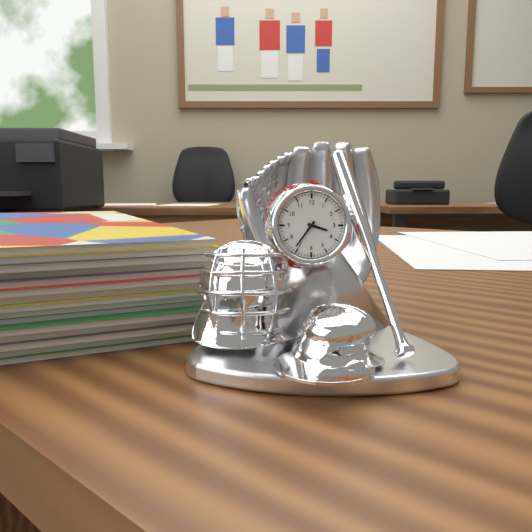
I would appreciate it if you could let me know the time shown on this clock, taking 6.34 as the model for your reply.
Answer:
3.36
